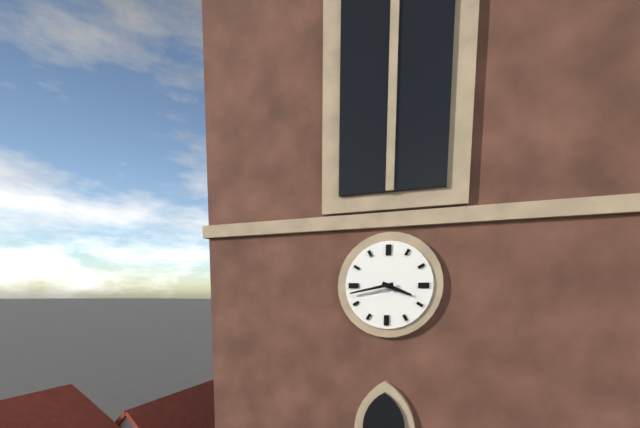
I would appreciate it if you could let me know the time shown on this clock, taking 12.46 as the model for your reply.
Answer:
3.43
